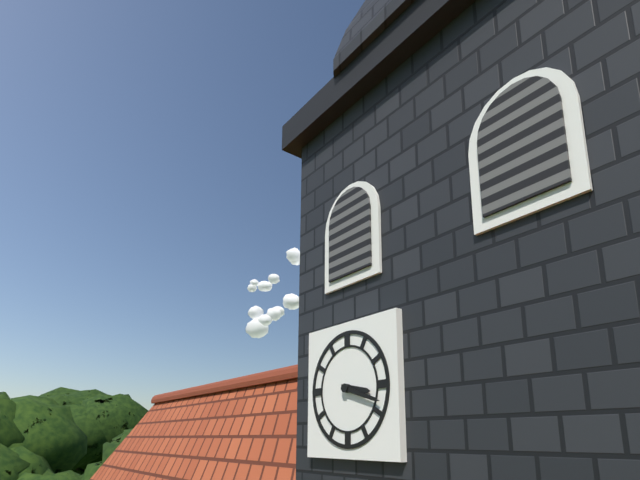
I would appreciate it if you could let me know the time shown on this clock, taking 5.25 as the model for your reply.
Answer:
3.18
